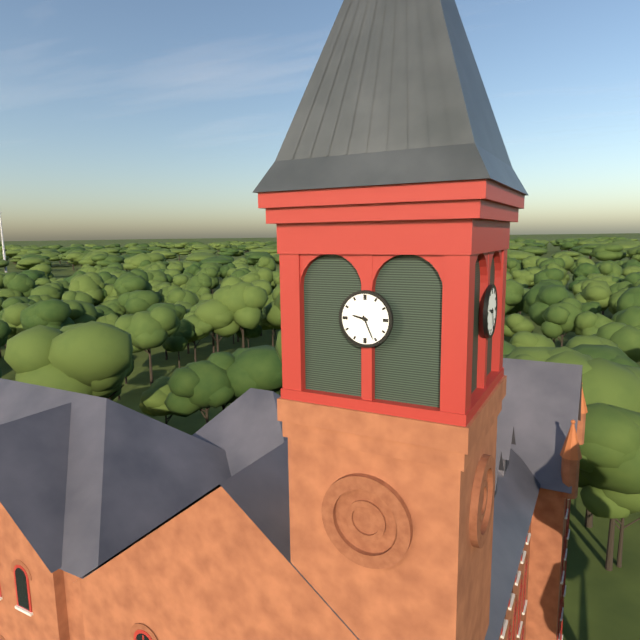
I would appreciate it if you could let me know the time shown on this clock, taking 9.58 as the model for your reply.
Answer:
9.26
